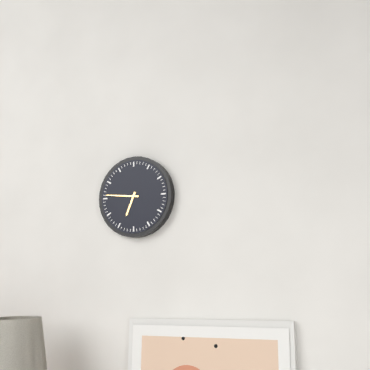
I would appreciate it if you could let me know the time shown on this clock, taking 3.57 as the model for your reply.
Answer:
6.46
